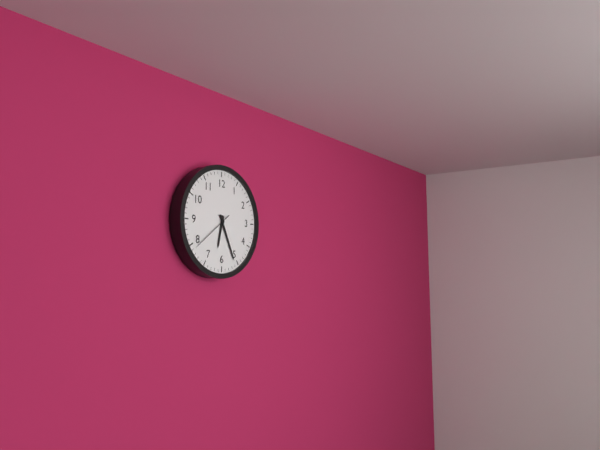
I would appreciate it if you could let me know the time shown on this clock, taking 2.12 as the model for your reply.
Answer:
6.26
